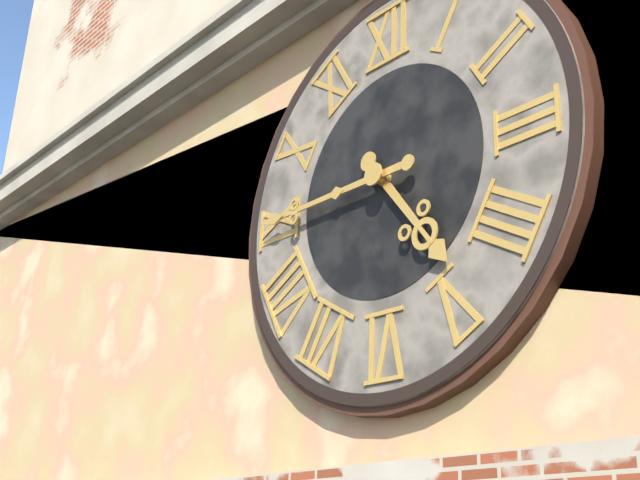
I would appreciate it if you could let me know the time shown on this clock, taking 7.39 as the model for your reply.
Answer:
4.45
